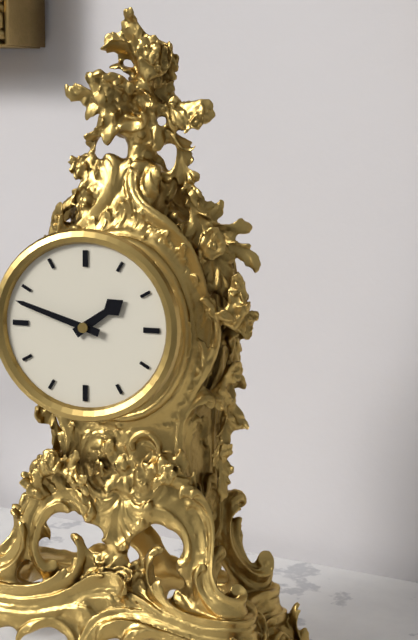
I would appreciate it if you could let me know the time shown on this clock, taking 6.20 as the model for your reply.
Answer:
1.48
